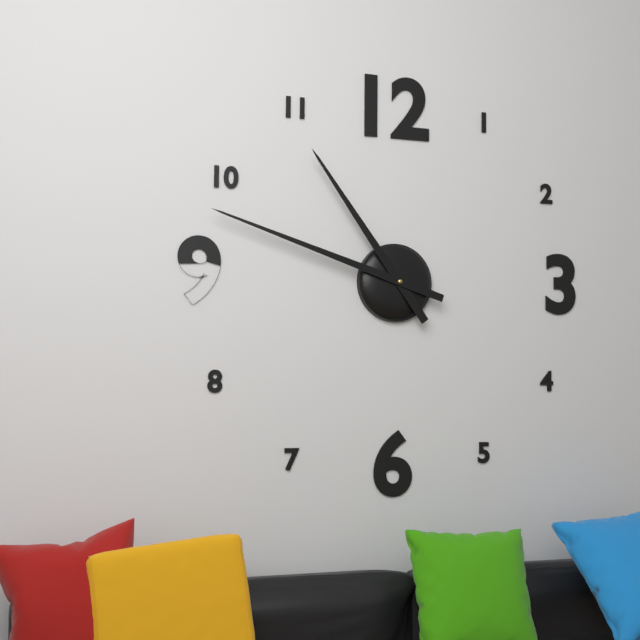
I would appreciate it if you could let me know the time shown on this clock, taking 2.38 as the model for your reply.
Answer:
10.48
